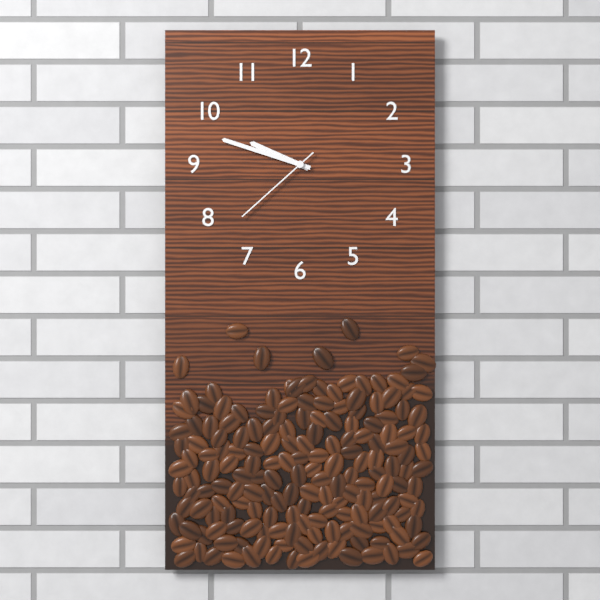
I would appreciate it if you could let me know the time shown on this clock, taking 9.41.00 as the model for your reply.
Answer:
9.48.38
